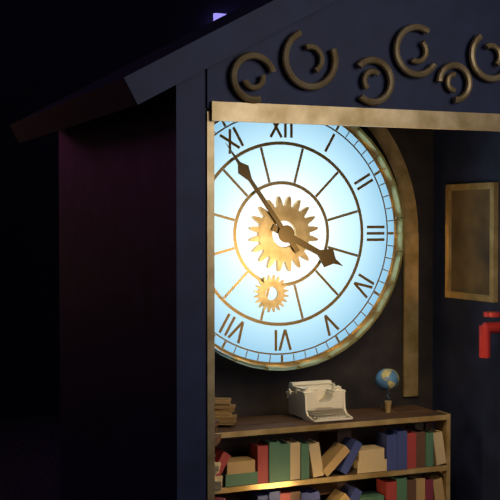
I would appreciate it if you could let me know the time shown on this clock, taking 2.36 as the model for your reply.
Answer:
3.54
